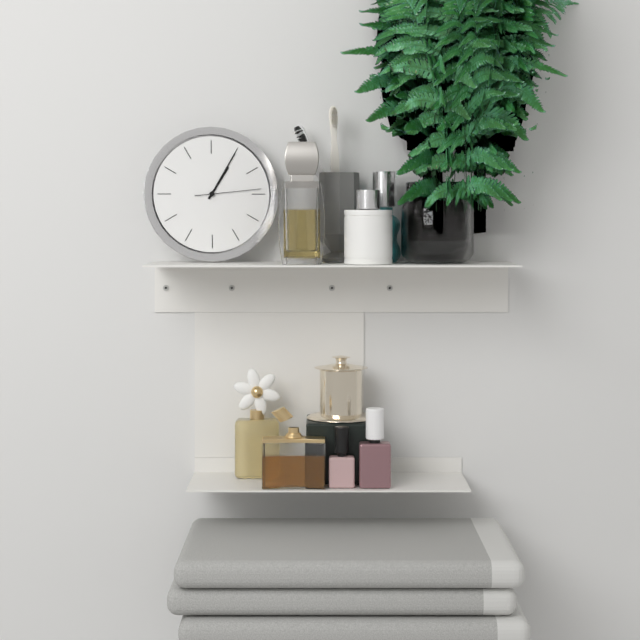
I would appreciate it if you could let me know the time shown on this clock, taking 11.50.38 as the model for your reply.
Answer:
1.05.14
